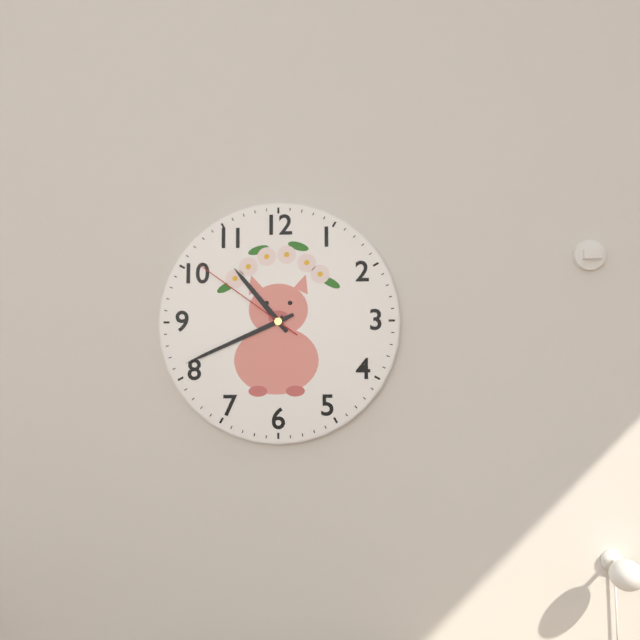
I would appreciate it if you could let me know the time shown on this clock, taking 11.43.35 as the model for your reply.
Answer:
10.41.51
